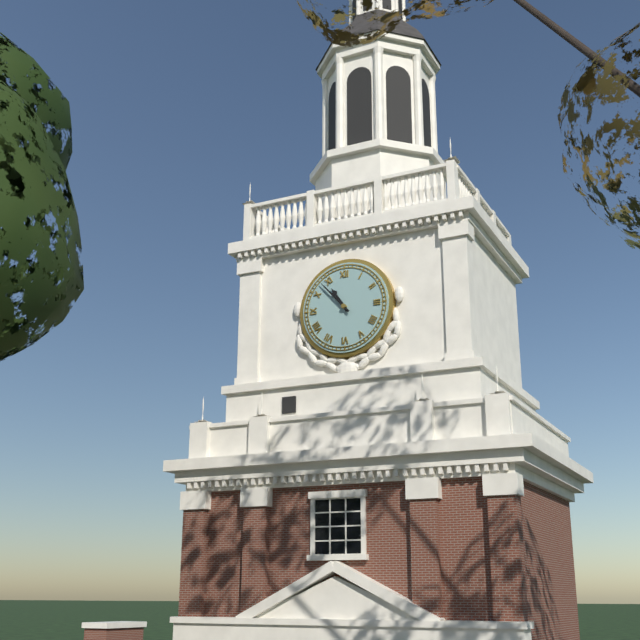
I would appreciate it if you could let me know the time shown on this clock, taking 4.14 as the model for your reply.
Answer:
10.53
